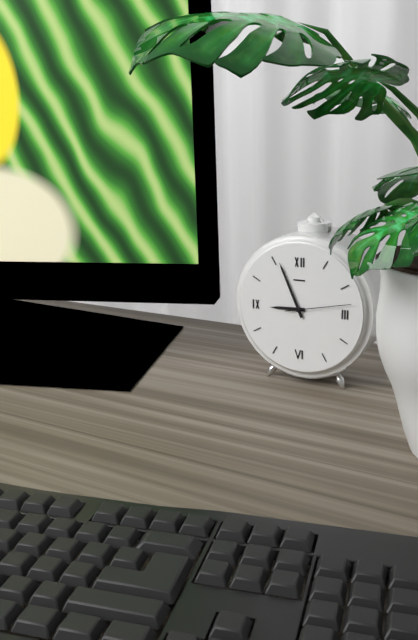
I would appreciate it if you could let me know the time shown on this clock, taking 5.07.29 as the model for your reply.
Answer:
8.56.13
